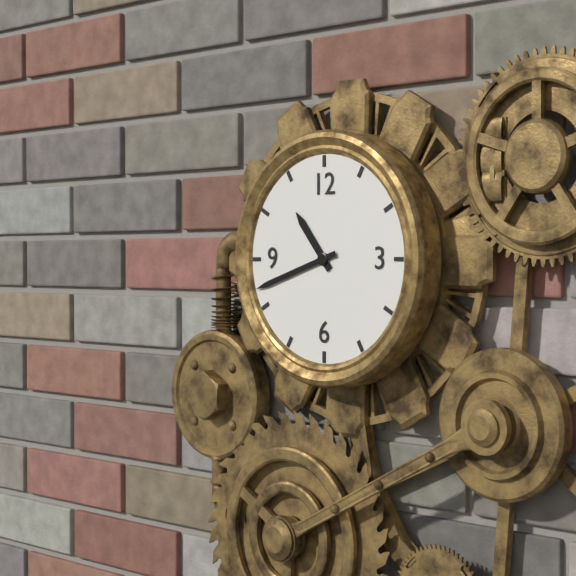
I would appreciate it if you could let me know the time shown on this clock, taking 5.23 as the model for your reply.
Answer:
10.42
